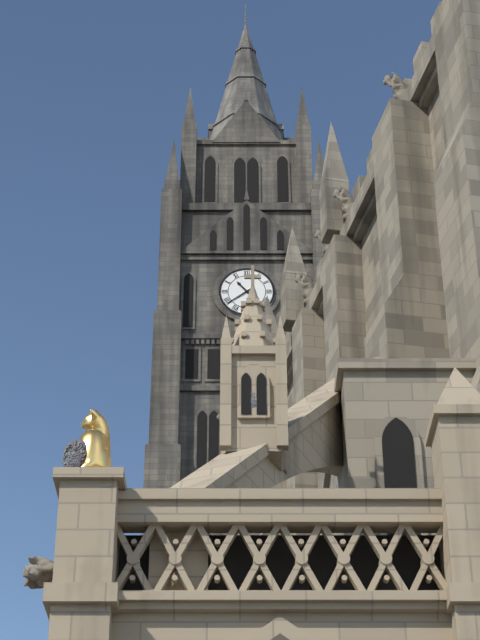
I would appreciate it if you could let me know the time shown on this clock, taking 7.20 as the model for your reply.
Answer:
10.39
